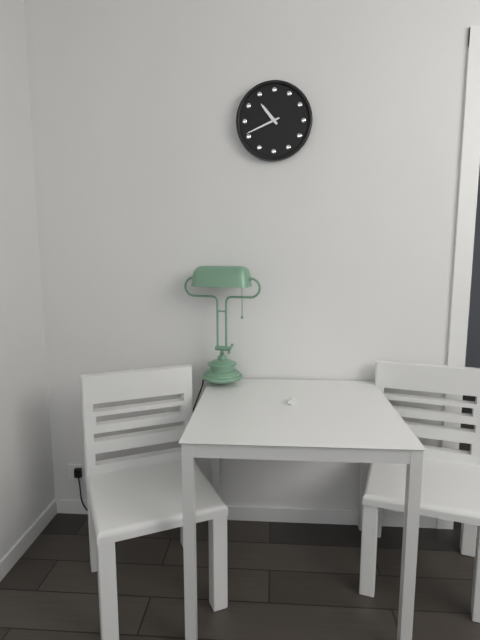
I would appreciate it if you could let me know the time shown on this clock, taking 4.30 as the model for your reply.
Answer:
10.41
